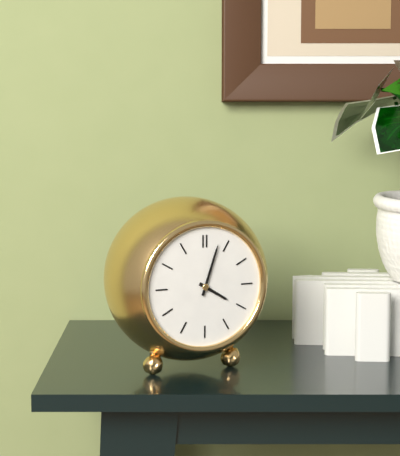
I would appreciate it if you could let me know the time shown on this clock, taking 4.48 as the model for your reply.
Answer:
4.03
